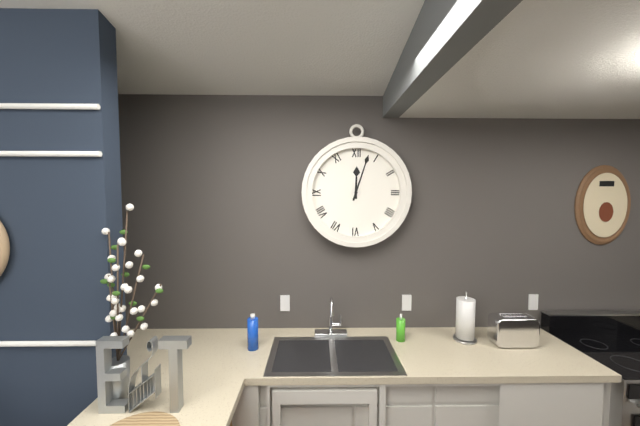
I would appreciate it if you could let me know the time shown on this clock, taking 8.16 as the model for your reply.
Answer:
12.03
